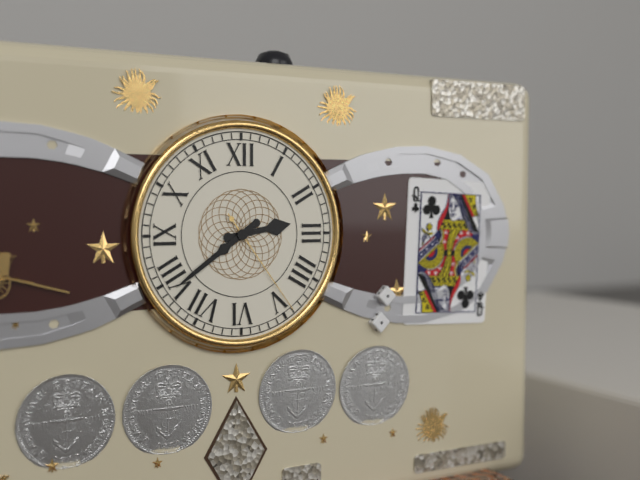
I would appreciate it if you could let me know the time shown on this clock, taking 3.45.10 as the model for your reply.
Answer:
2.39.24
